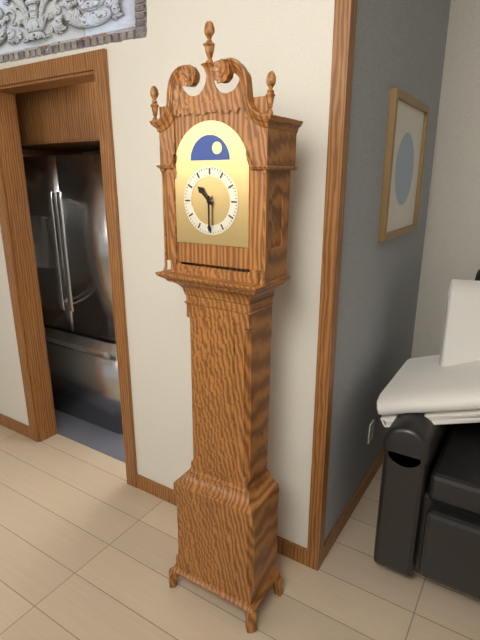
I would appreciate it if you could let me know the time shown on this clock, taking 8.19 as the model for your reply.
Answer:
10.30
